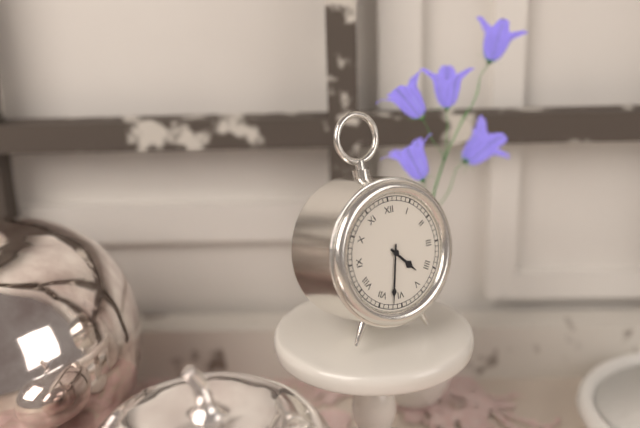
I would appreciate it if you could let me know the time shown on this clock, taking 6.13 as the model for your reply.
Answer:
4.32
